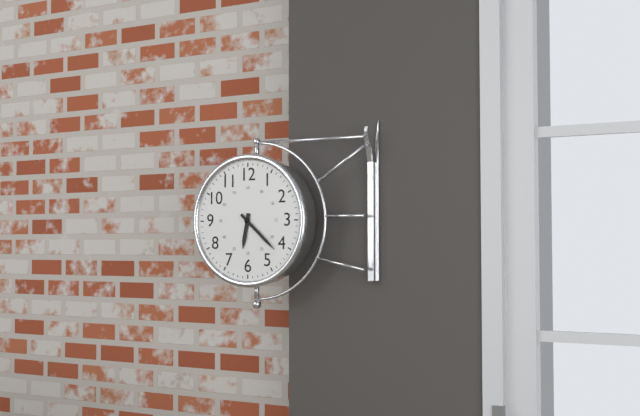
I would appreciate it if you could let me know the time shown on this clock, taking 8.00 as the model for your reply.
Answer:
6.22
